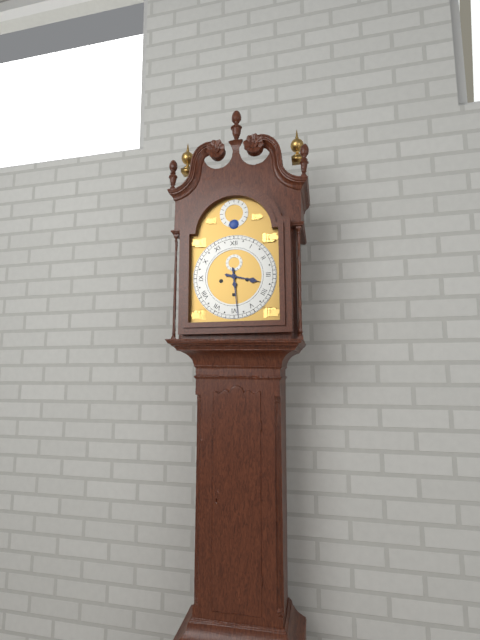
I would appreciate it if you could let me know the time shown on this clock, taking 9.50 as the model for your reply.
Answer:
3.29
